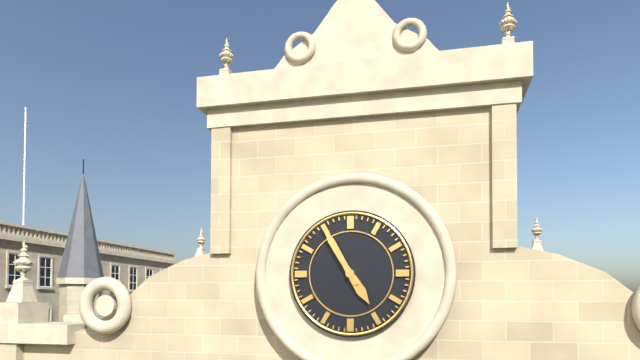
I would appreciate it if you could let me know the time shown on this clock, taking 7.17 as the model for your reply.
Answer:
4.55
